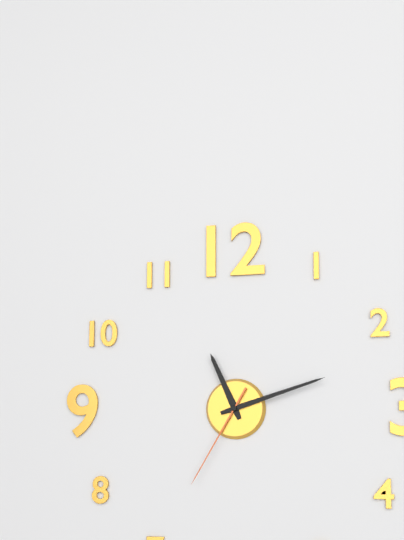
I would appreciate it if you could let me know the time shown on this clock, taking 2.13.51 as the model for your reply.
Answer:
11.12.35
